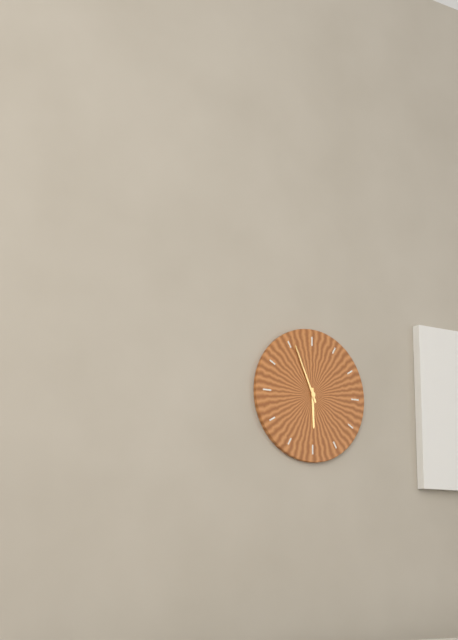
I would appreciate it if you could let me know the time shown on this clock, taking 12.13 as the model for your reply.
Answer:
5.56
